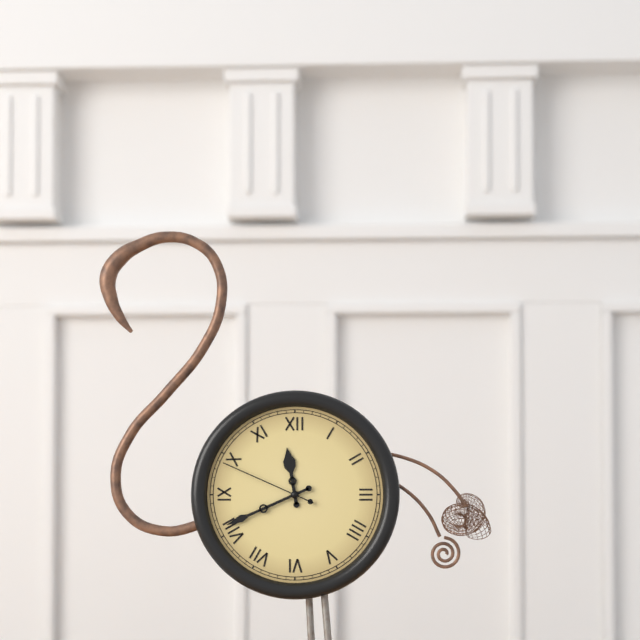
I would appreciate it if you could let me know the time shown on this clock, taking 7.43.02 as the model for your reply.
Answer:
11.41.49
